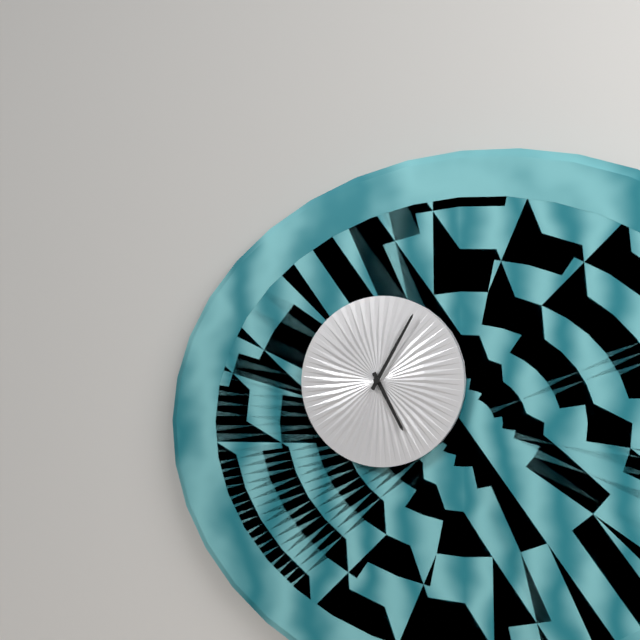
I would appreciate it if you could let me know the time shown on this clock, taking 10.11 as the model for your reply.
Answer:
5.05
